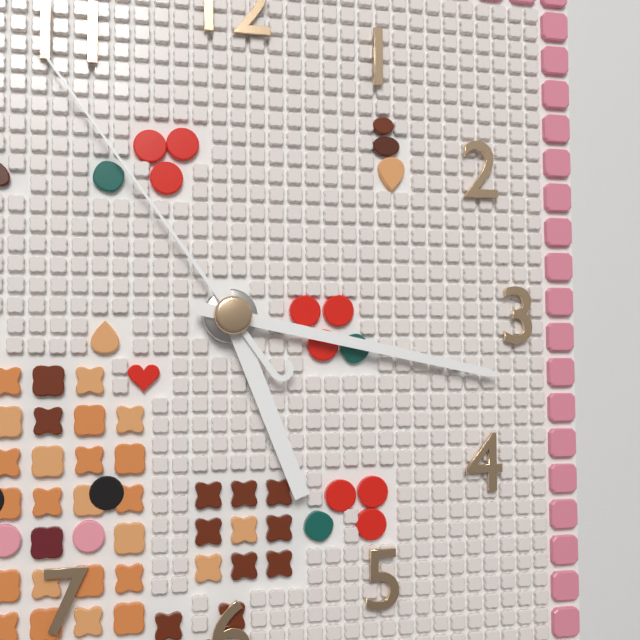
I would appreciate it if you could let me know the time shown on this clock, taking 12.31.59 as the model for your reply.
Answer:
5.17.54
